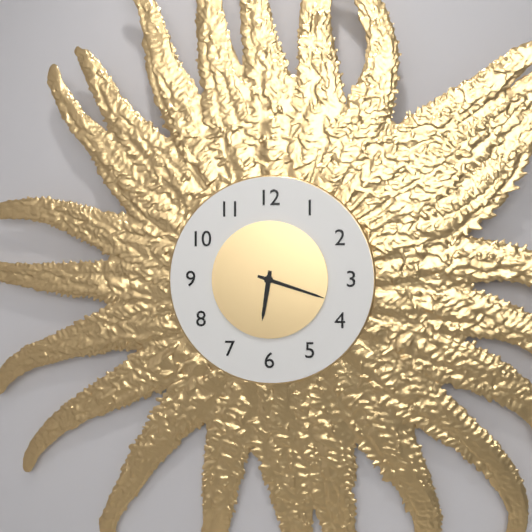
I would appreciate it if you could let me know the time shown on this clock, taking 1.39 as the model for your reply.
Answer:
6.18
